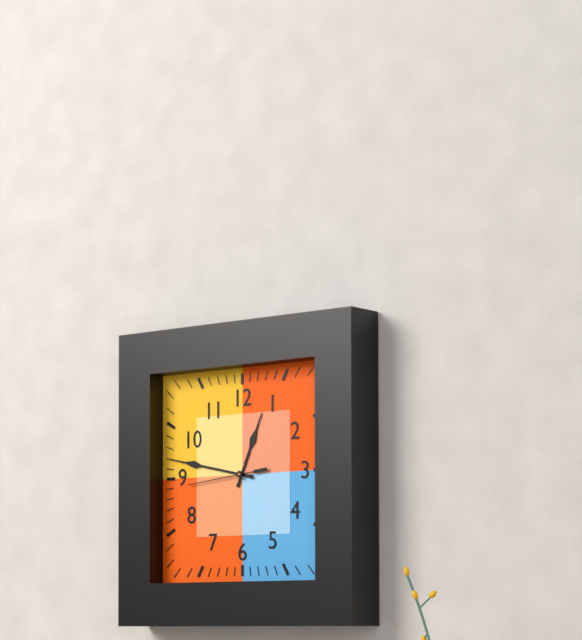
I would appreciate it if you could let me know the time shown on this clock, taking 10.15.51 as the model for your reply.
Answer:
12.47.44
